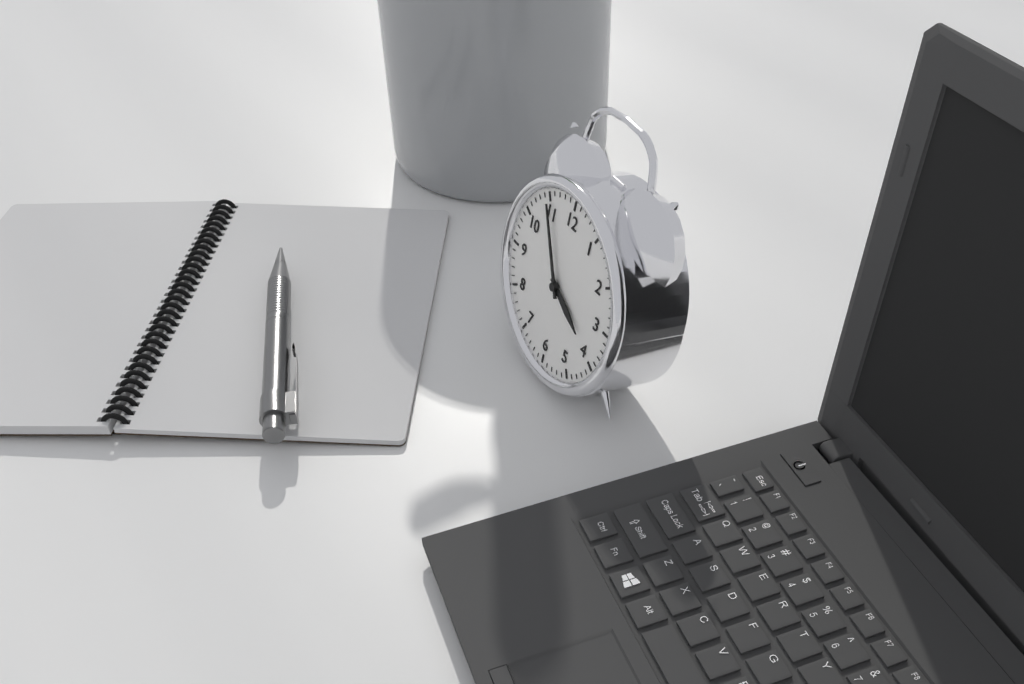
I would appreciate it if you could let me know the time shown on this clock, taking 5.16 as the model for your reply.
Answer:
3.55
